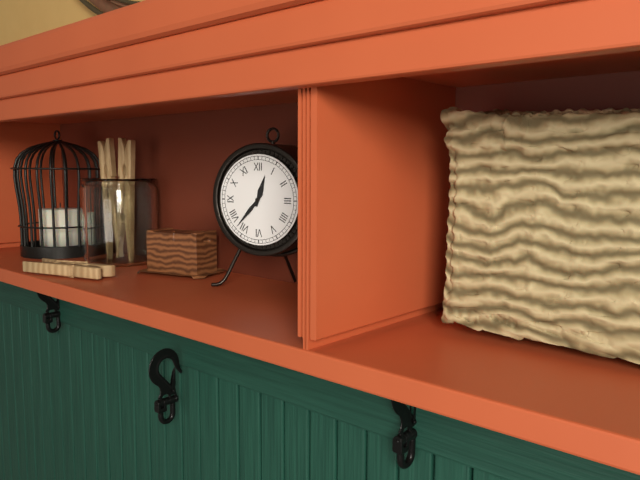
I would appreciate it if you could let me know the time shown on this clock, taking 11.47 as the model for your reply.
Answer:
12.37
